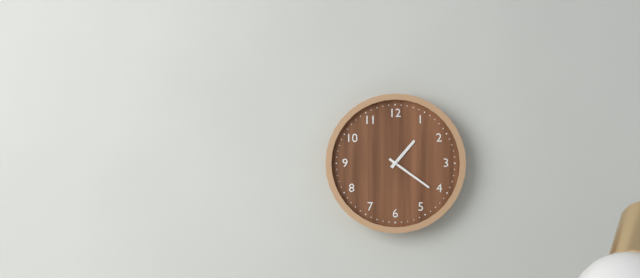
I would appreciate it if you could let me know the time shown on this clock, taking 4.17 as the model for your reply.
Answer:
1.21
